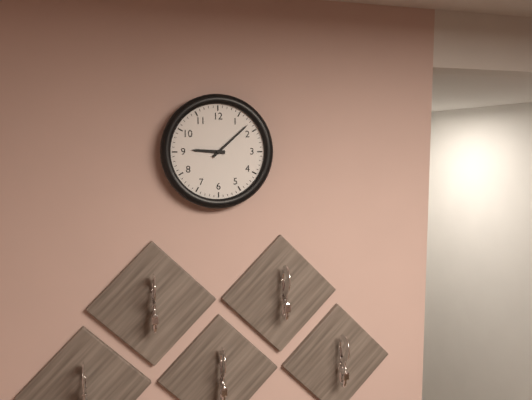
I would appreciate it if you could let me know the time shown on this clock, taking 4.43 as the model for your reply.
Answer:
9.08
